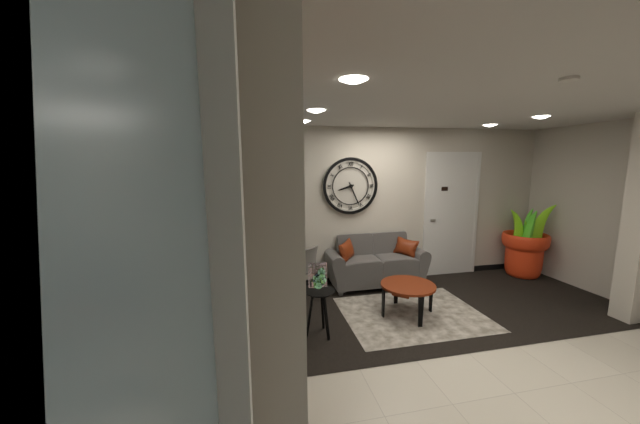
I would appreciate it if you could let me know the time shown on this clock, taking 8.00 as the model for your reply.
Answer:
8.26
